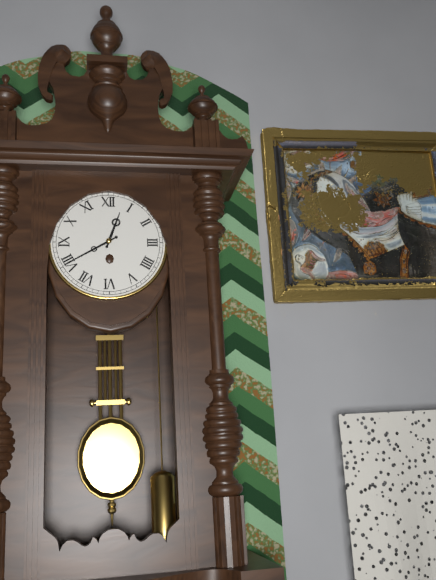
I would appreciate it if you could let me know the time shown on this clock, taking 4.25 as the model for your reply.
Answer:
12.40
